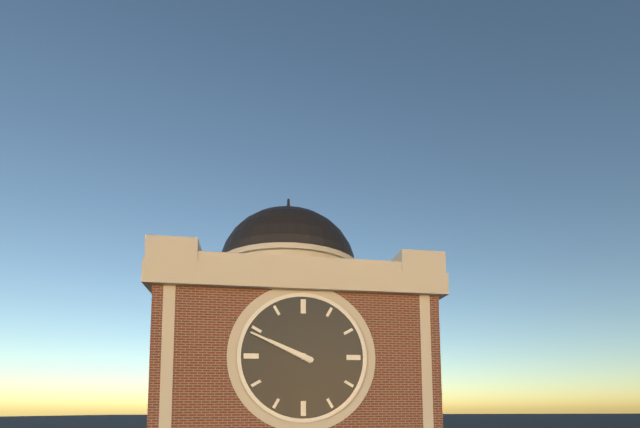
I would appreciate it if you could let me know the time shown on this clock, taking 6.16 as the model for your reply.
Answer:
9.49
